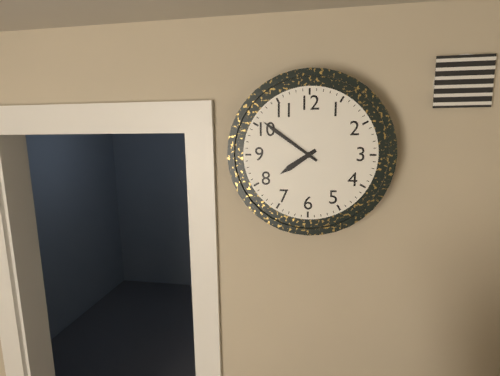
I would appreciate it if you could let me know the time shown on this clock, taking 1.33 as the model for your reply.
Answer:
7.51
